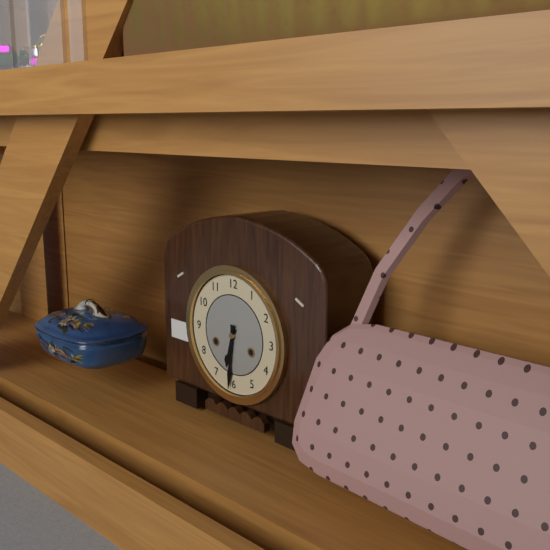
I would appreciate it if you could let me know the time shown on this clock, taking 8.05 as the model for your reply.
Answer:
6.31
